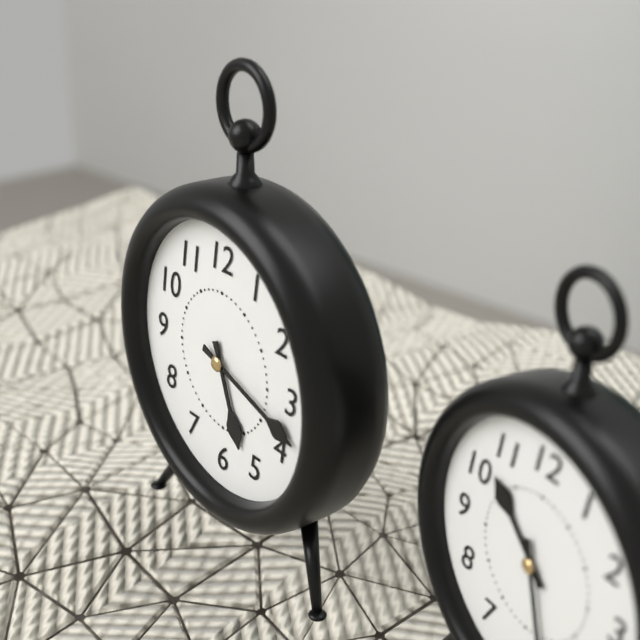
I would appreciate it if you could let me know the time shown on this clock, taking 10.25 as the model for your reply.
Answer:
5.18
